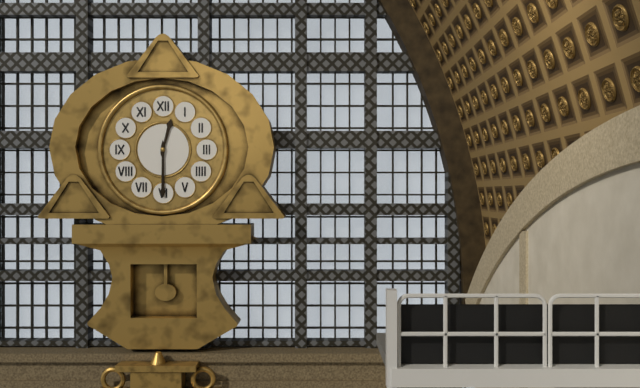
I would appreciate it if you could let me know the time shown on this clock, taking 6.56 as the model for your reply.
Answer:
12.30
